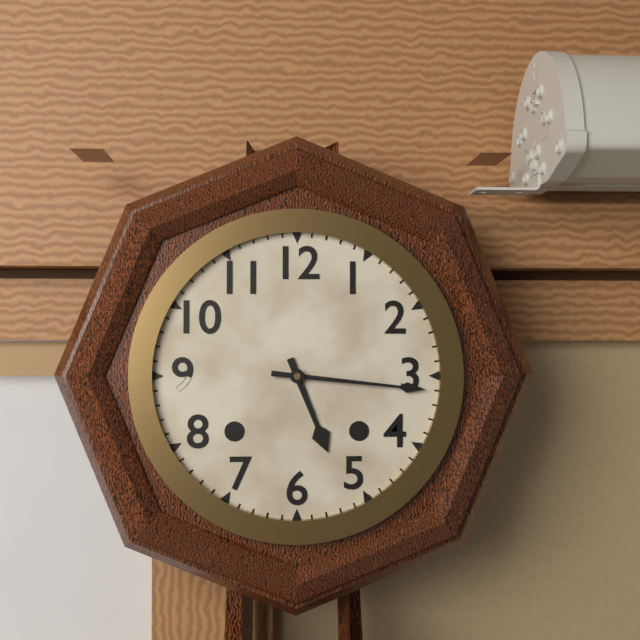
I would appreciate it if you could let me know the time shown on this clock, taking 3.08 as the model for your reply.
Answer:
5.16
